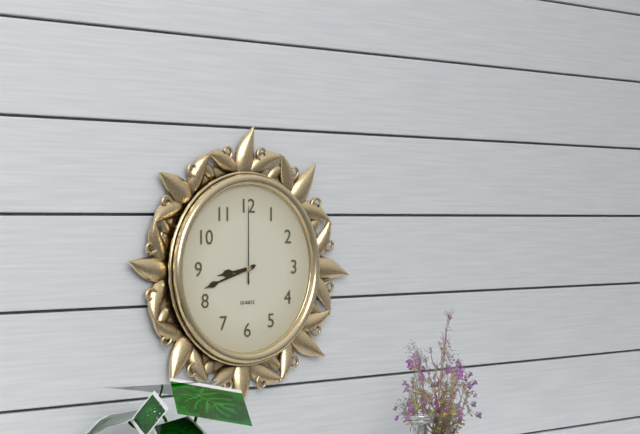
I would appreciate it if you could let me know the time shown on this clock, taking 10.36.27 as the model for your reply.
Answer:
8.42.00
